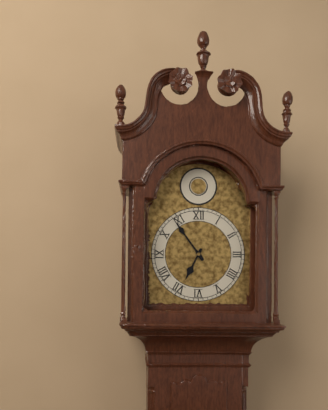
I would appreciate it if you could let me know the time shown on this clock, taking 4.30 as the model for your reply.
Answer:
6.54
